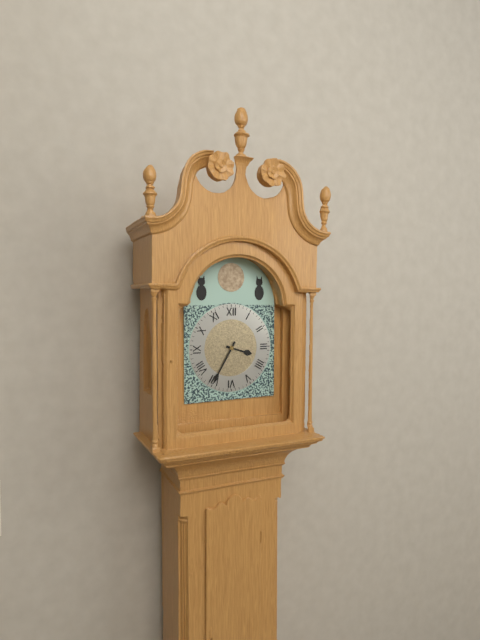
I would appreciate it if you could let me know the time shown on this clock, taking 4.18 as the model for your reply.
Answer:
3.35
